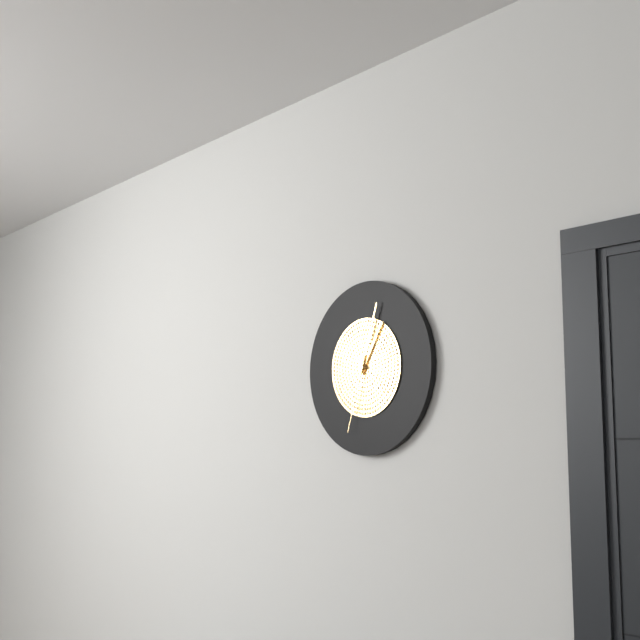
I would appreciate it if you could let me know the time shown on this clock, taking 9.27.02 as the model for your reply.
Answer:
1.03.33
